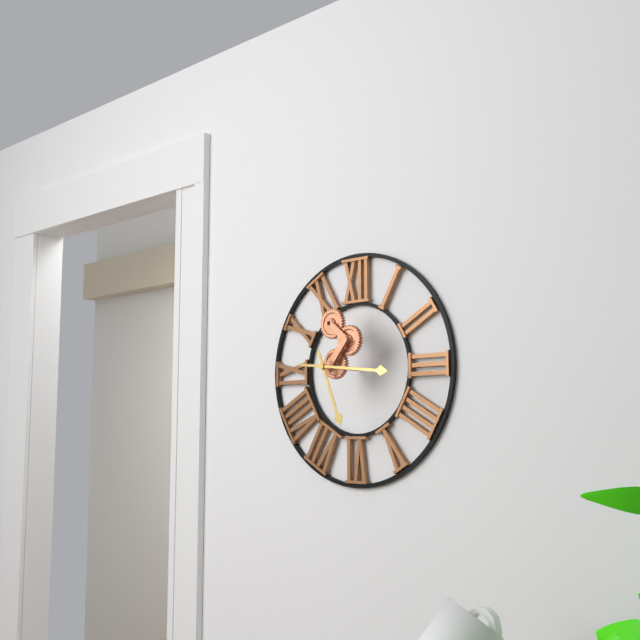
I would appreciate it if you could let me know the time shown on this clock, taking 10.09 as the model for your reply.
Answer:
5.16
